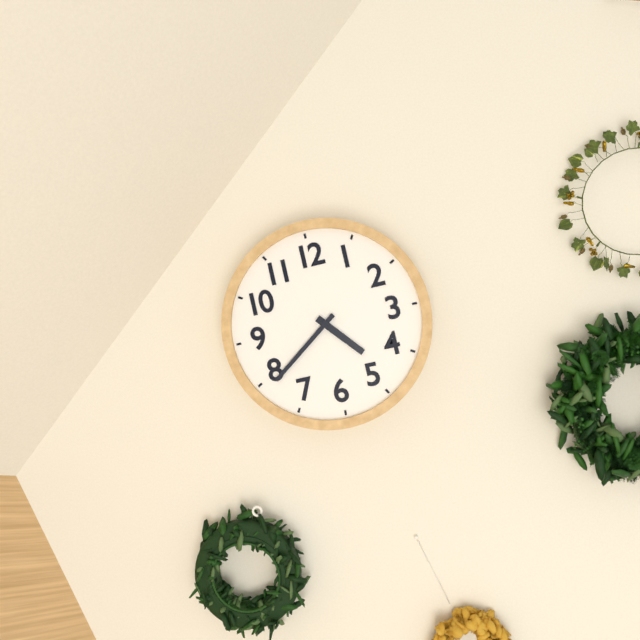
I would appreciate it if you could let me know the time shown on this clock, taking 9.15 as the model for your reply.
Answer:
4.39
